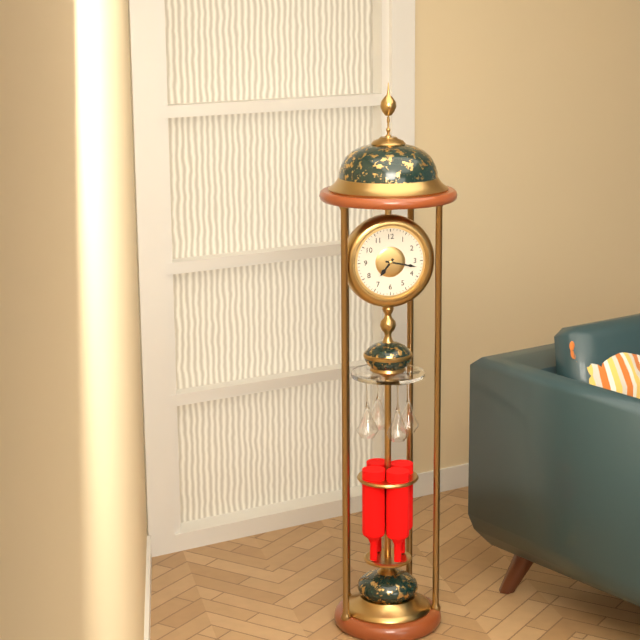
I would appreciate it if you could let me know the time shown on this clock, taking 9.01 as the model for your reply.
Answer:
7.17
